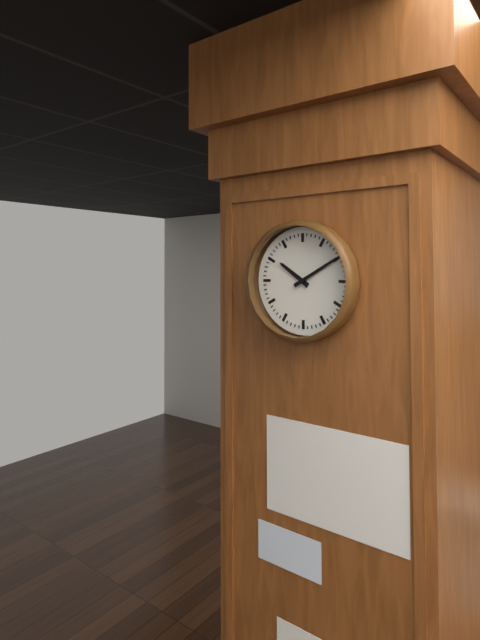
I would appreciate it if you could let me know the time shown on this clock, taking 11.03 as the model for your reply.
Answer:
10.10
